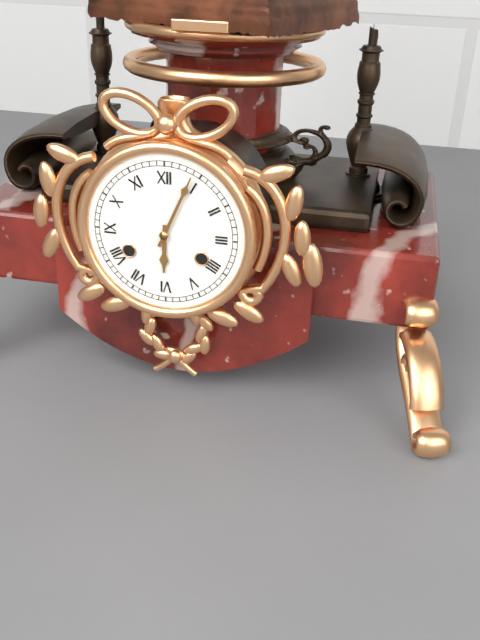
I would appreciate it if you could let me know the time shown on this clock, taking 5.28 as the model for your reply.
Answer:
6.04
